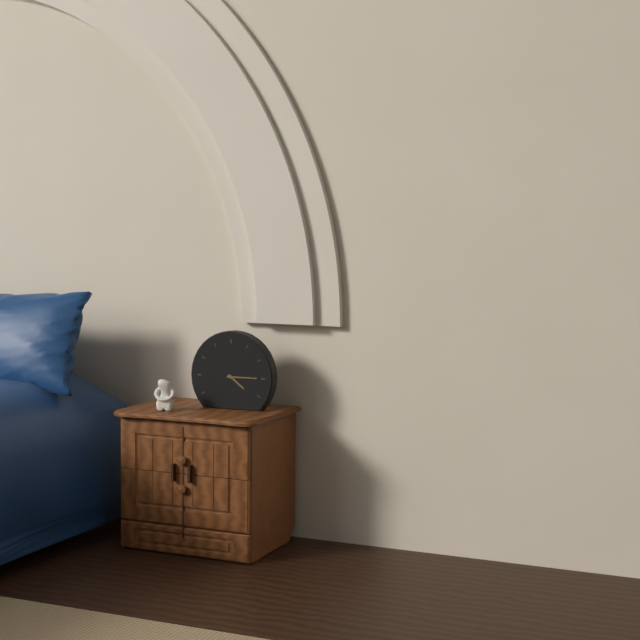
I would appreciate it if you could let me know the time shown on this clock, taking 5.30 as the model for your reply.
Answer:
4.15
